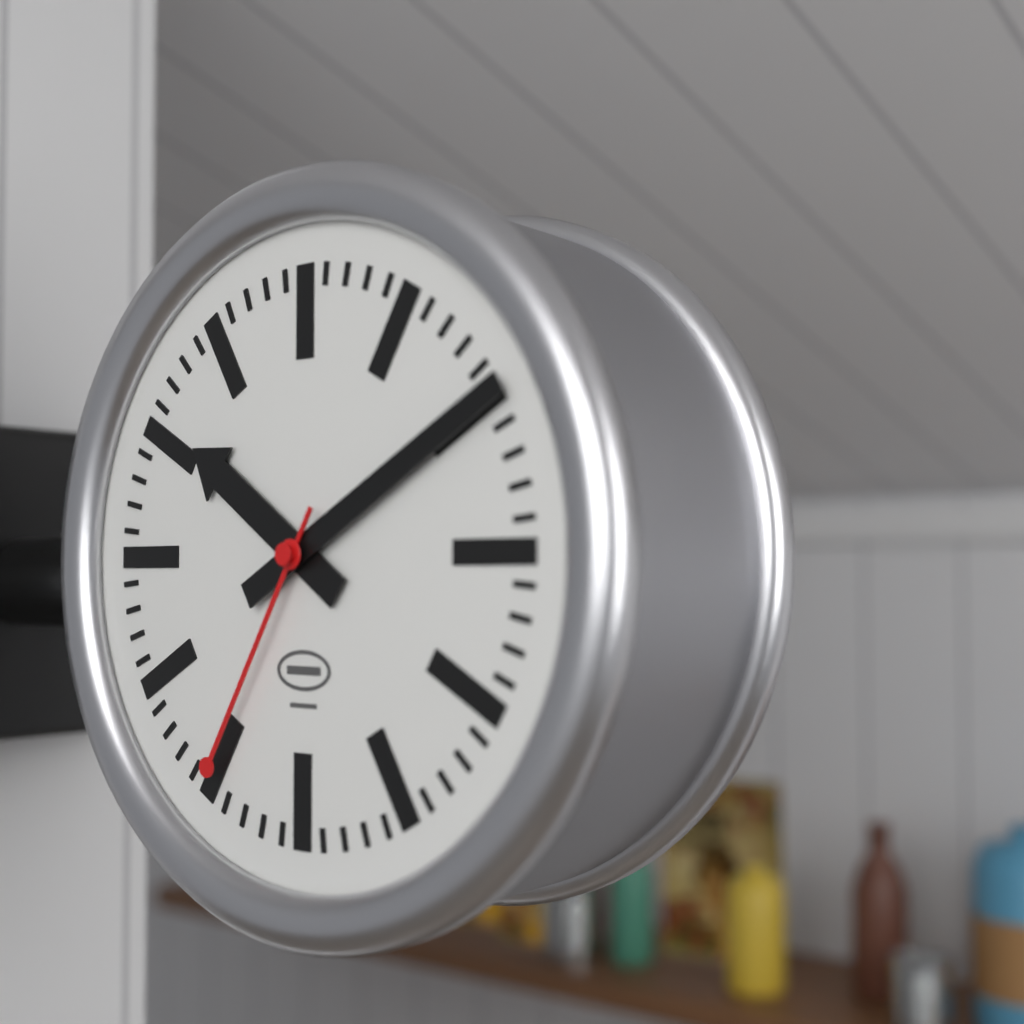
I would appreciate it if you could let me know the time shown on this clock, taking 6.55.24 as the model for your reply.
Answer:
10.10.35
